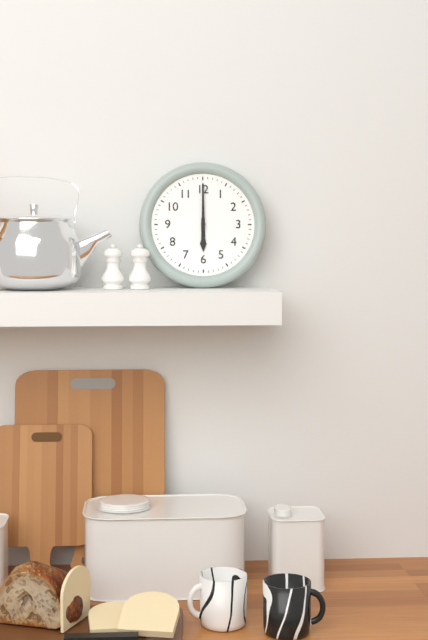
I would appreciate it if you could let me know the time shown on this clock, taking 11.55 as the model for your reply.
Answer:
6.00
